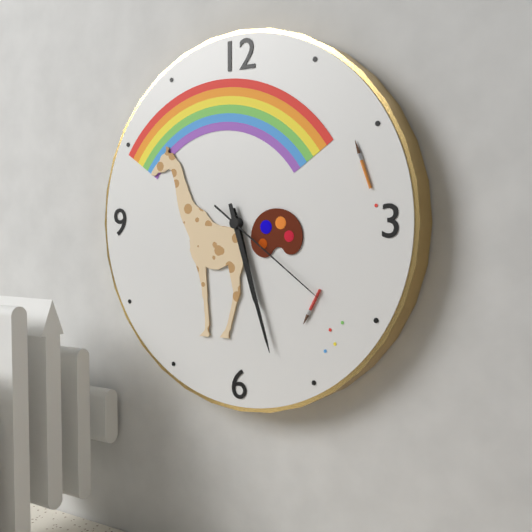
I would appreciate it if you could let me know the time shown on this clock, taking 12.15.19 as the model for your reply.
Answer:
5.27.21
